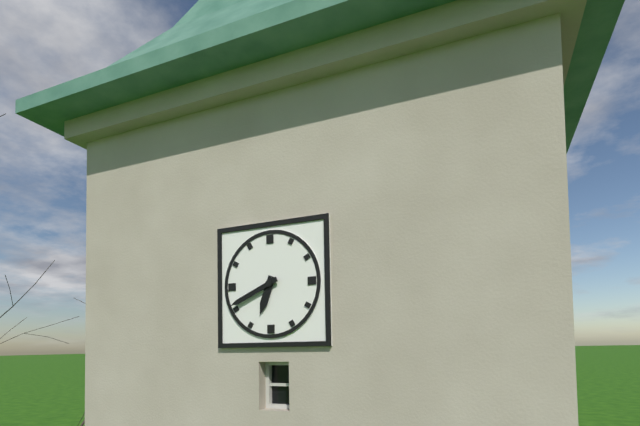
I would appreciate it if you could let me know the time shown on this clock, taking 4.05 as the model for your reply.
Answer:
6.41
